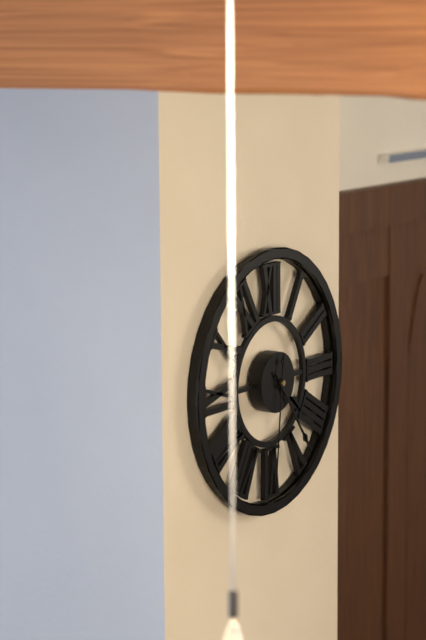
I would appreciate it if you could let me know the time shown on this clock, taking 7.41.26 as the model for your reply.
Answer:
4.24.31
